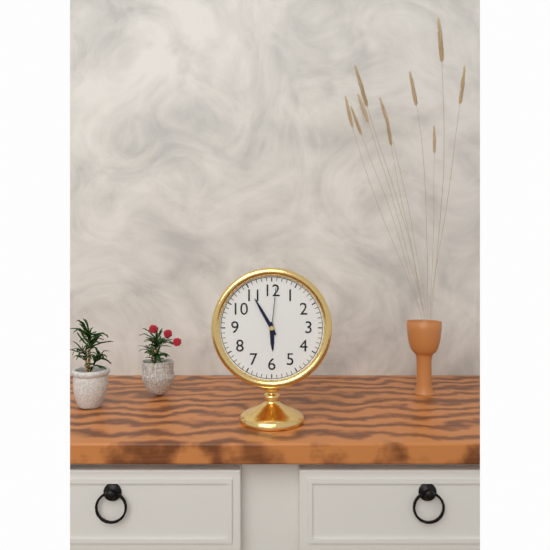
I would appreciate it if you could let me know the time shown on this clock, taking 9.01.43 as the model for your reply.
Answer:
5.55.01
